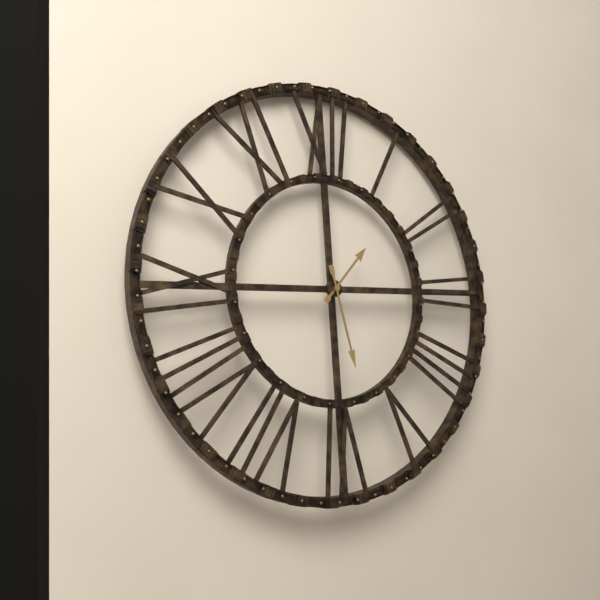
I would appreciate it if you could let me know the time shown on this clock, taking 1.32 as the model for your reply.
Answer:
1.28
